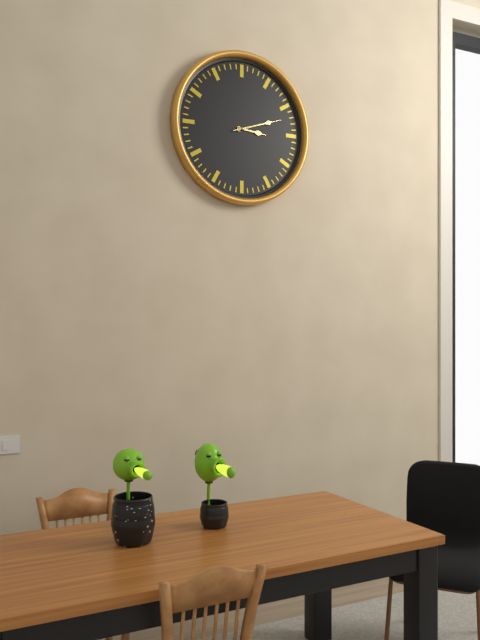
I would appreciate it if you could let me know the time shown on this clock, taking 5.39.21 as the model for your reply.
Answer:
3.12.12
